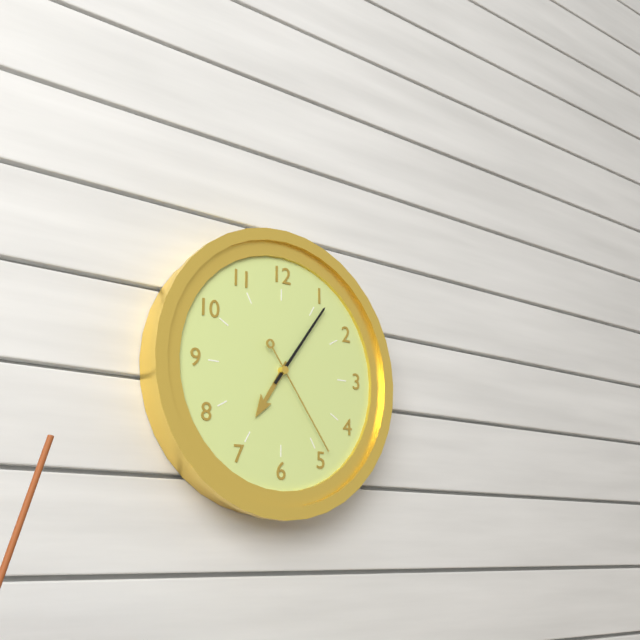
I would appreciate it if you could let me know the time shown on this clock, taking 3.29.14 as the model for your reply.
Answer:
7.06.24
